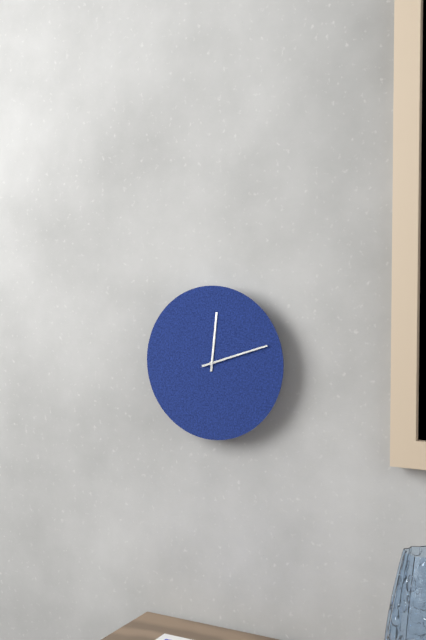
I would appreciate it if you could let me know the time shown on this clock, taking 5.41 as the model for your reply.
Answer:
12.12
